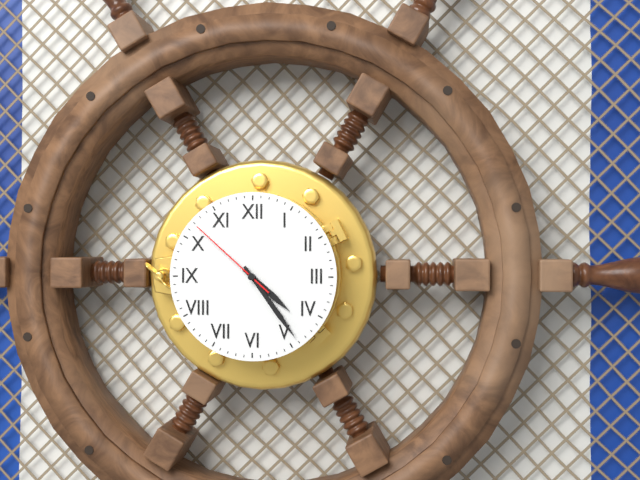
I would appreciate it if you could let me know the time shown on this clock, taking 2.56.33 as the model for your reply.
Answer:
4.24.52
